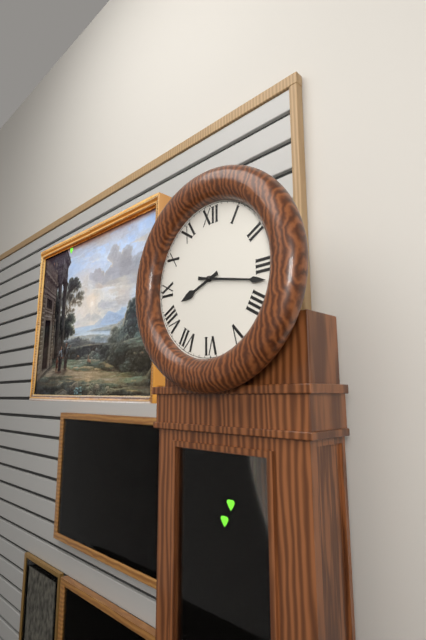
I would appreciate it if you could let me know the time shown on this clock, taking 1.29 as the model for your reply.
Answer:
8.17
